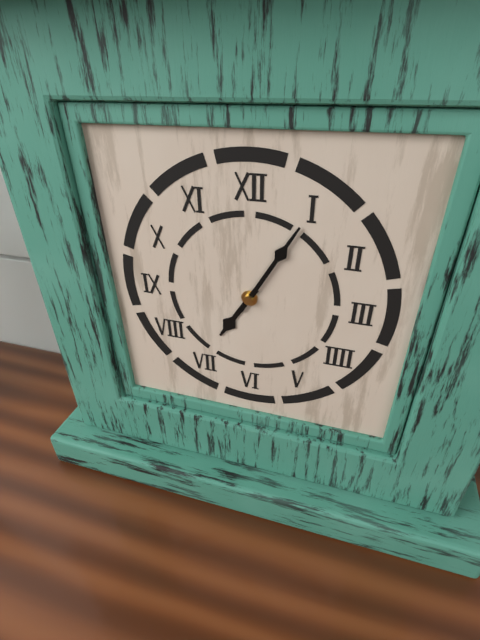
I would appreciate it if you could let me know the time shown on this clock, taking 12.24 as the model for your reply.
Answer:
7.05
